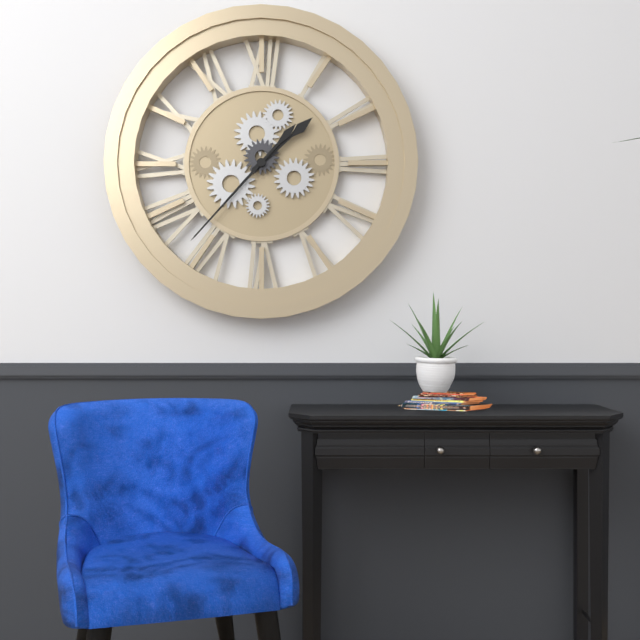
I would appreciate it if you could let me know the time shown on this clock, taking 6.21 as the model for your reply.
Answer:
1.37
